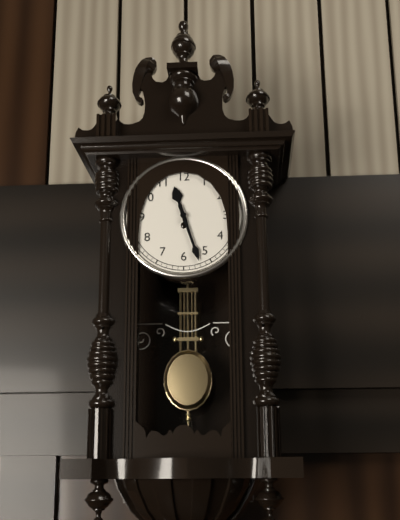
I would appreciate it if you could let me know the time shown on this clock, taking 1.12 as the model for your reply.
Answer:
11.27
